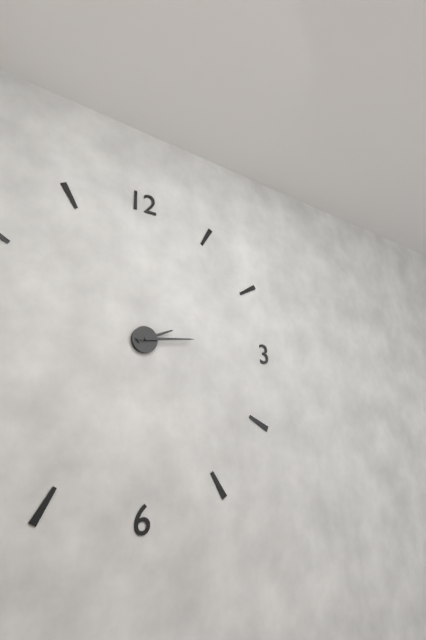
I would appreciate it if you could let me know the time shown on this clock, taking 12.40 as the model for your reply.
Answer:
2.14
